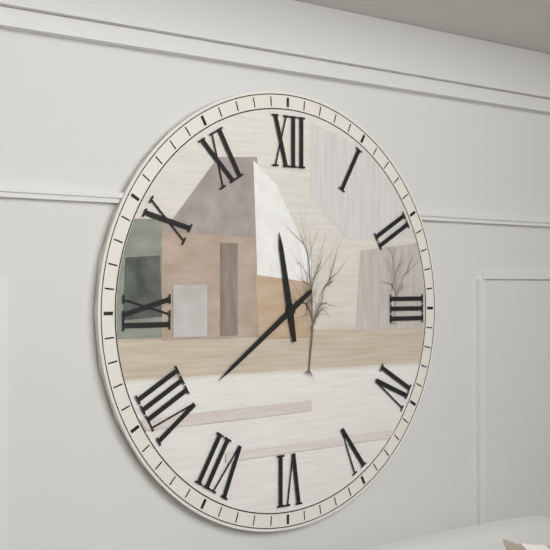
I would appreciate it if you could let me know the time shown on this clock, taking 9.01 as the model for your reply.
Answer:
11.39
